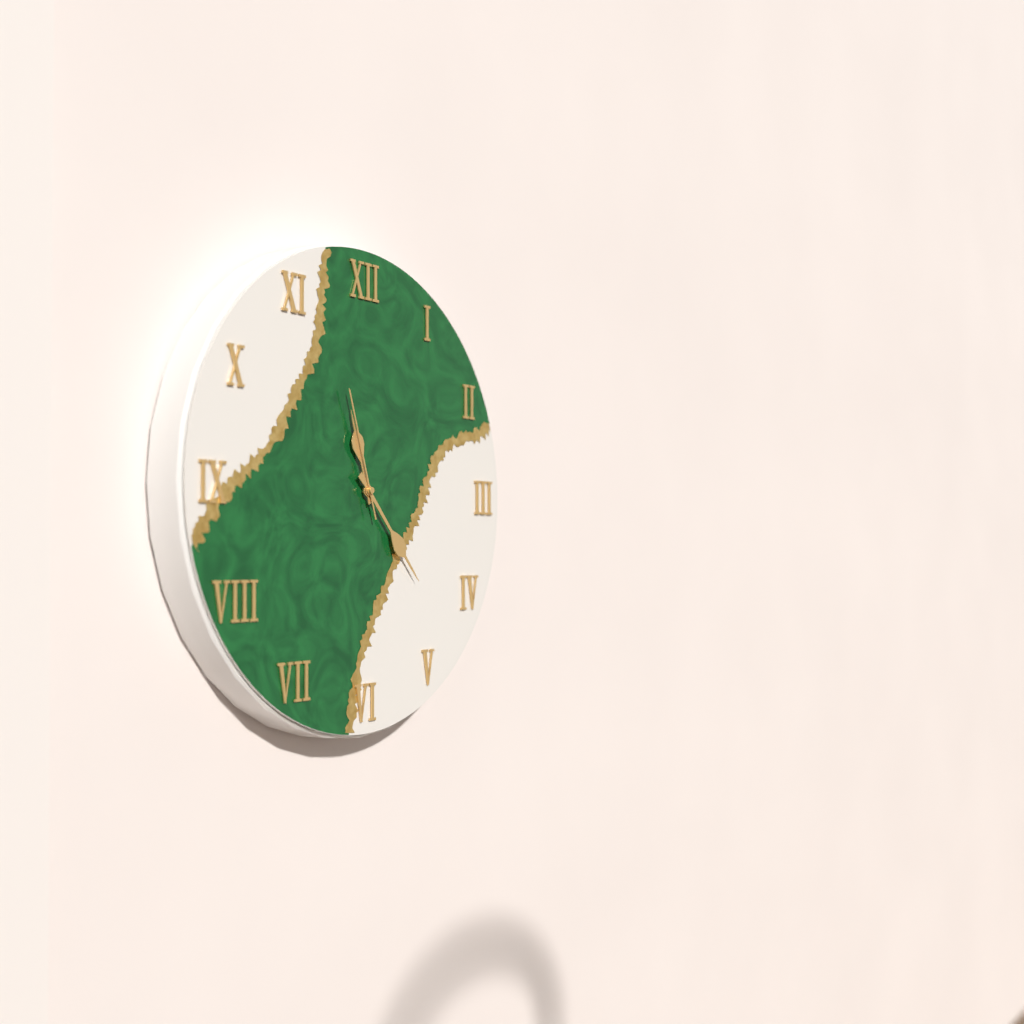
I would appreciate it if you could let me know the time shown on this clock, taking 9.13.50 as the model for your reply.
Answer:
11.23.57
